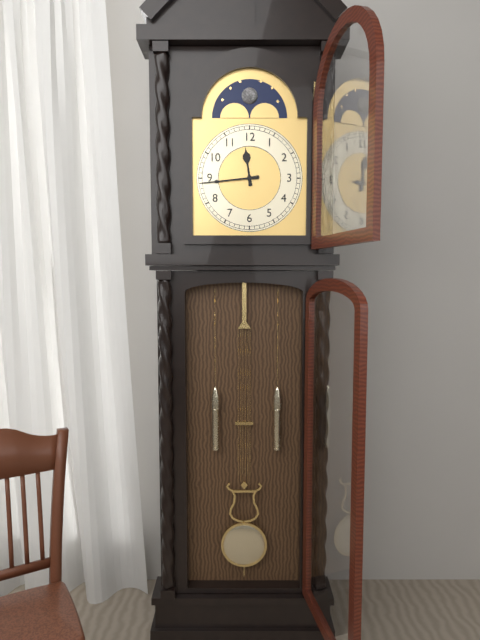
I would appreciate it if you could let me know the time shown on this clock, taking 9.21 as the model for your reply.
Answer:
11.44
